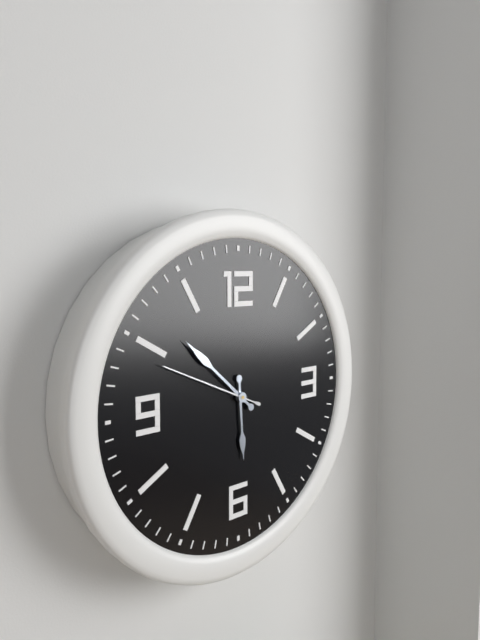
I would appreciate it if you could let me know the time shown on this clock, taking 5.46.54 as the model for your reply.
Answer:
5.52.49
